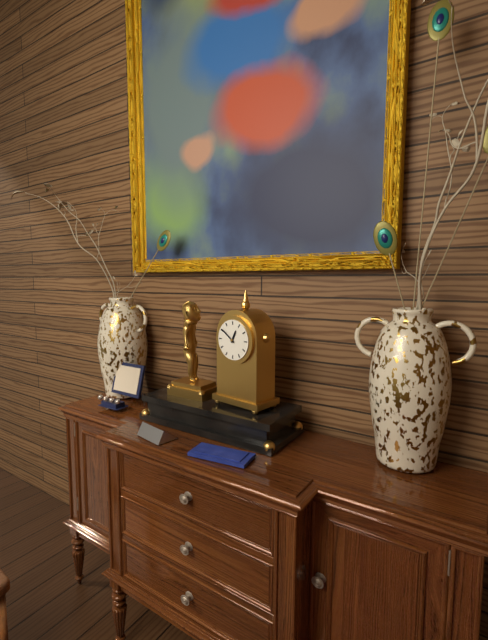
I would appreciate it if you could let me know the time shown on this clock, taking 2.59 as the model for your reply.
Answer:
12.51
